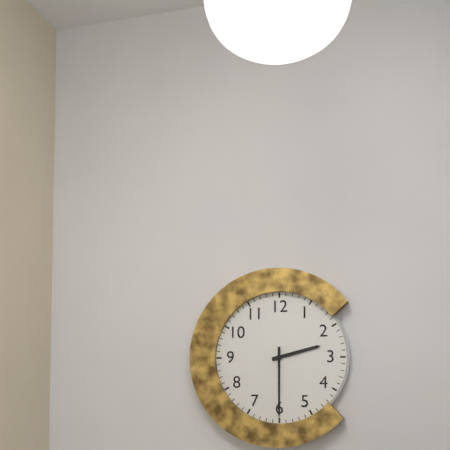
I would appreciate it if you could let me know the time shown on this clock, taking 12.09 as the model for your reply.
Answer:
2.30
